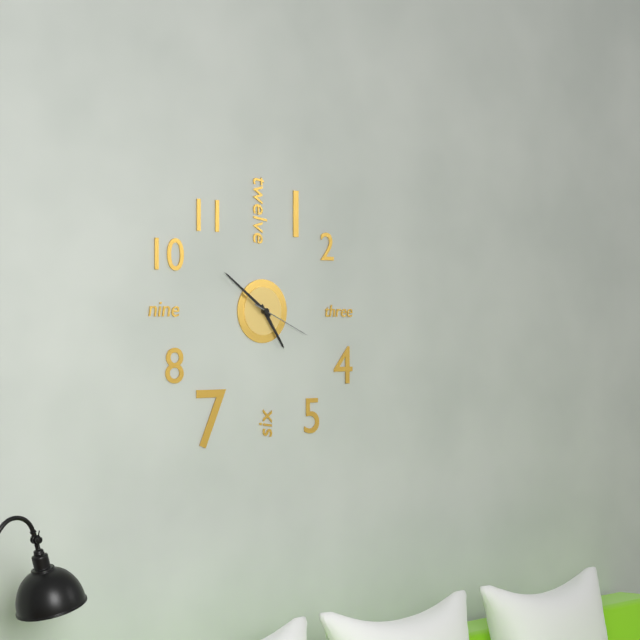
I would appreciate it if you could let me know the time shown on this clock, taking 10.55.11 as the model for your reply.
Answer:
4.51.19
